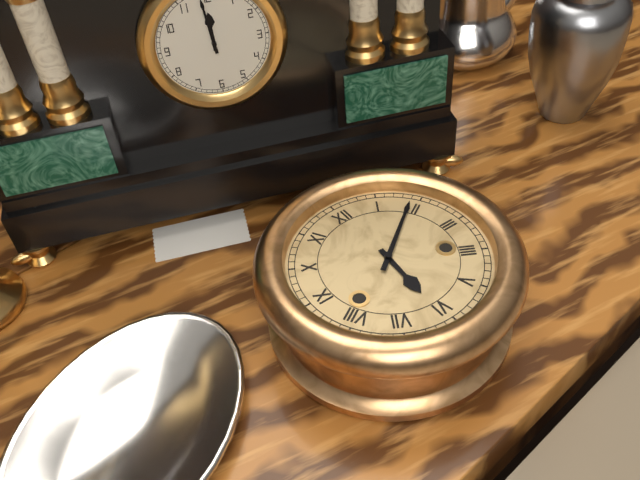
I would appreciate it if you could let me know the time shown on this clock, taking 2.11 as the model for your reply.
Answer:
6.09
